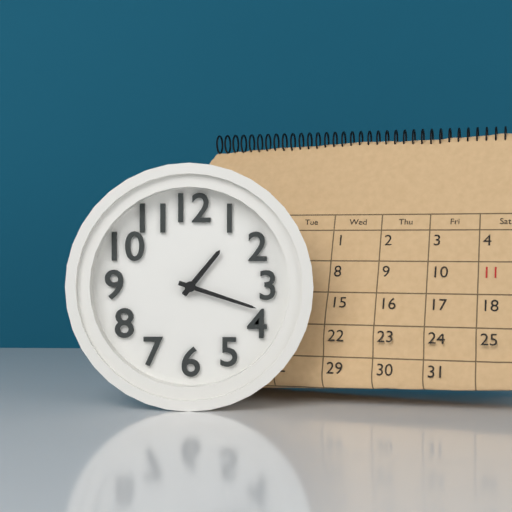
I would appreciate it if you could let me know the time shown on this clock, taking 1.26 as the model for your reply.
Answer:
1.18
